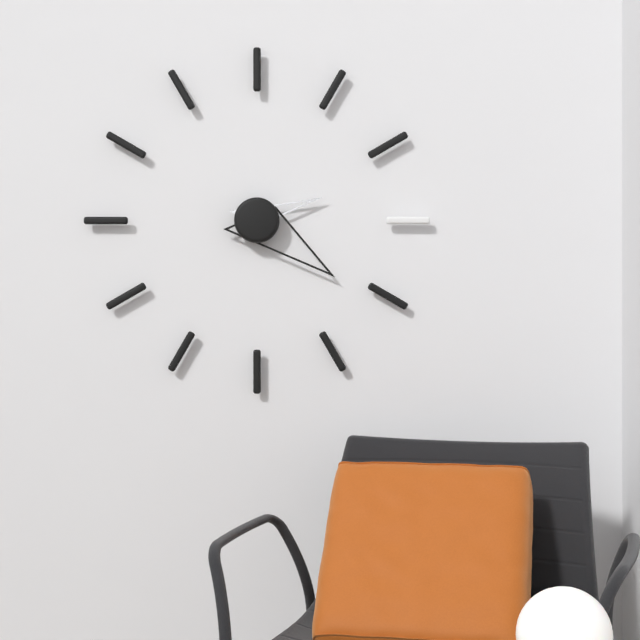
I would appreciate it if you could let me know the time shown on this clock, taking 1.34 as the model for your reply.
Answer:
2.21
